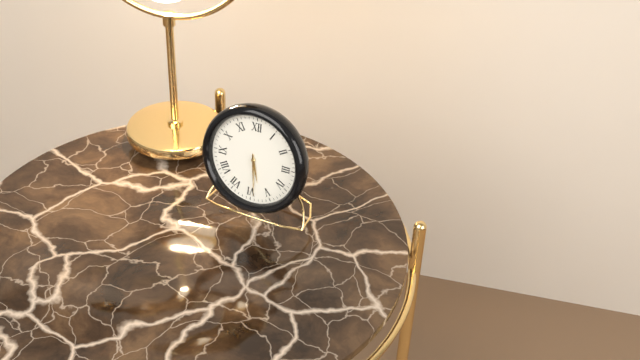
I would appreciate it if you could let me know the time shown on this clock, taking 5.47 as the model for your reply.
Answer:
5.29
